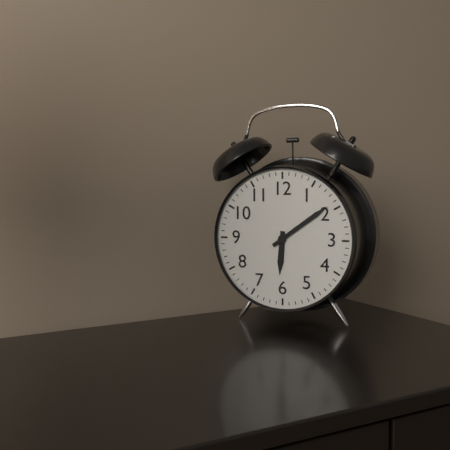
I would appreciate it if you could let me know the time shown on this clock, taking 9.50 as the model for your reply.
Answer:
6.09
